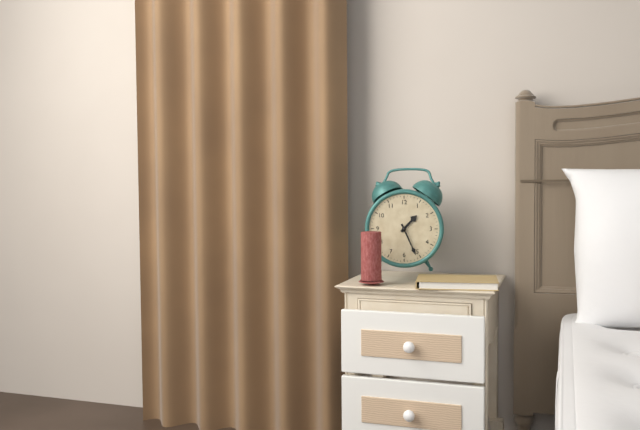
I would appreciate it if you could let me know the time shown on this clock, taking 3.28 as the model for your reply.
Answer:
1.26
